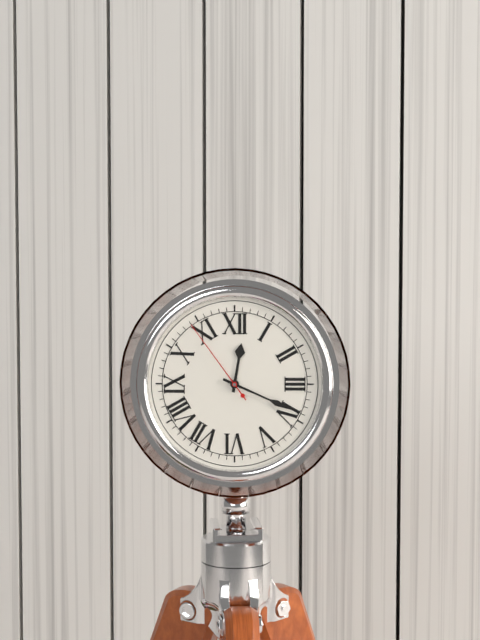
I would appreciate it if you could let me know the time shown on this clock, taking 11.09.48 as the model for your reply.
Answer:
12.19.54
